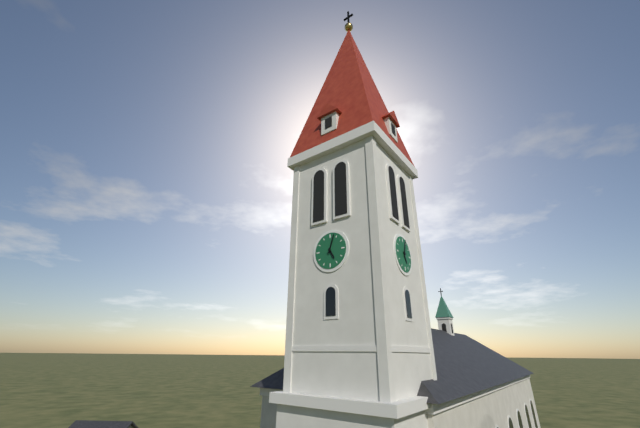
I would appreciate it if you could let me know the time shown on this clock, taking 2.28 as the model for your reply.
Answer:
5.03
